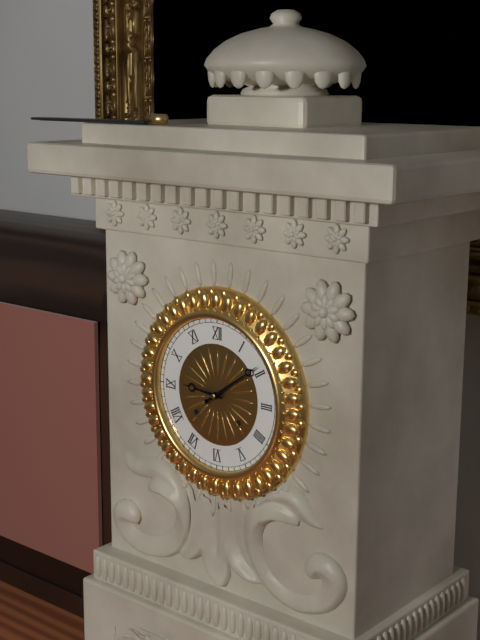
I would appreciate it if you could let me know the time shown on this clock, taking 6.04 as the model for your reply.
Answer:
9.09
